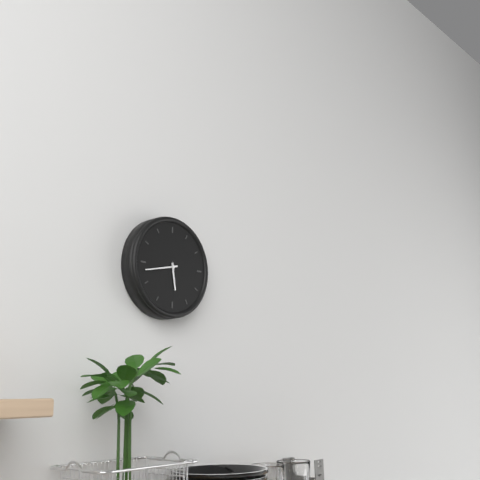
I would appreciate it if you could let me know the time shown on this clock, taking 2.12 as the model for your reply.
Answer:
5.43
